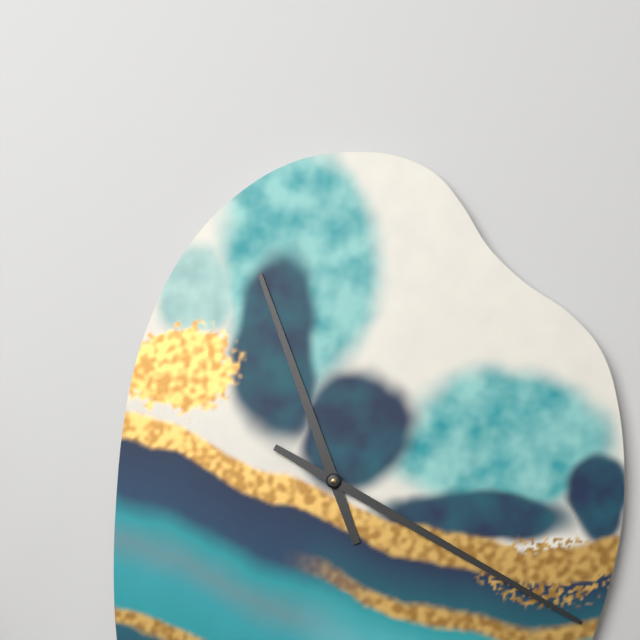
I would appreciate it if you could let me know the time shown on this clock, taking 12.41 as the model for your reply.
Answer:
11.20
